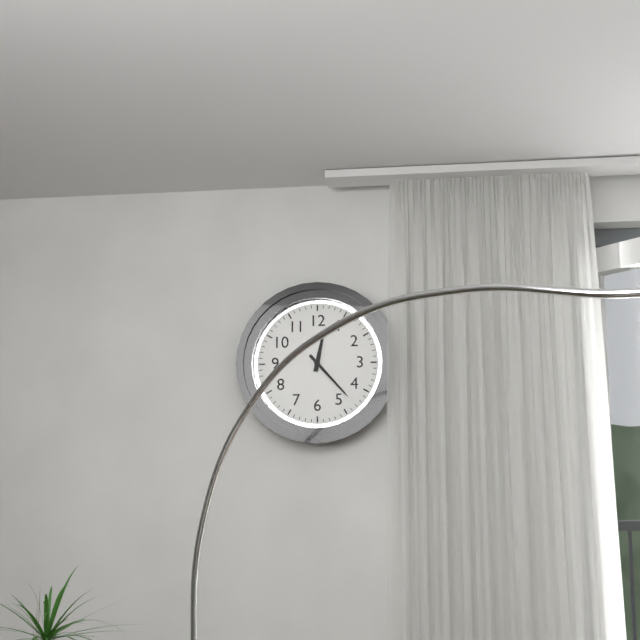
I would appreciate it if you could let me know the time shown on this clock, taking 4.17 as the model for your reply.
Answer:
12.23
